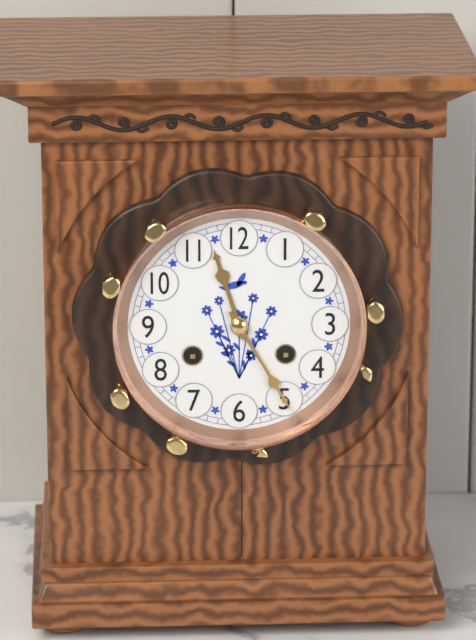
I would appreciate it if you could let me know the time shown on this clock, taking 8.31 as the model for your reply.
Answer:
11.25
